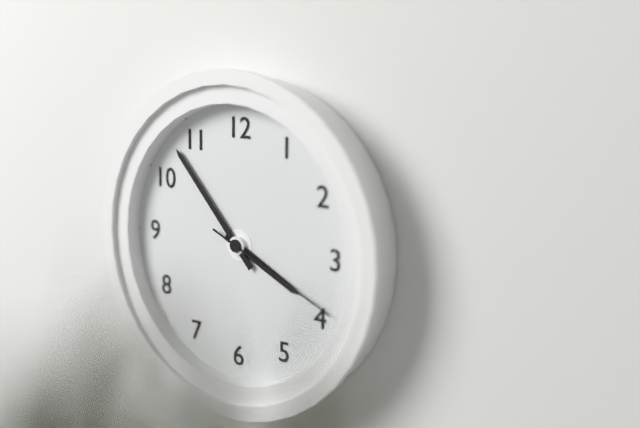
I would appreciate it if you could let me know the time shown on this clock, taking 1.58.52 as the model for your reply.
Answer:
3.53.19
